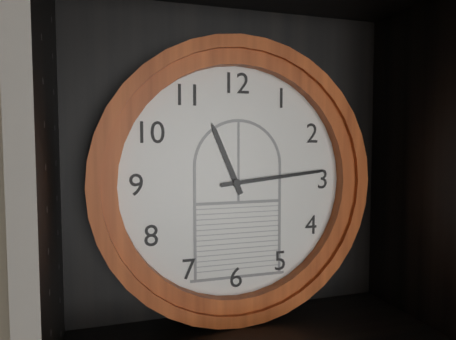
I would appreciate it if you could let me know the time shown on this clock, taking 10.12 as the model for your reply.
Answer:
11.14
